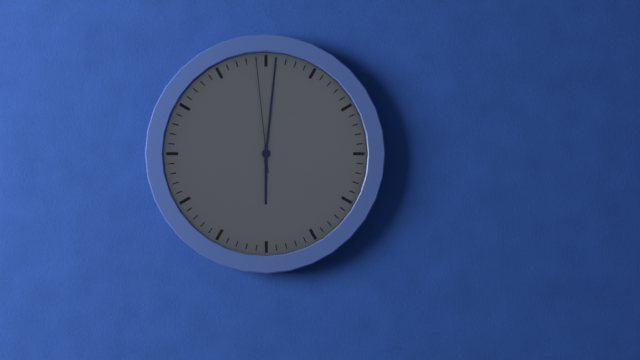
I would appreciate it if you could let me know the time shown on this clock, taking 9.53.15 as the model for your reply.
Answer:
6.01.59
